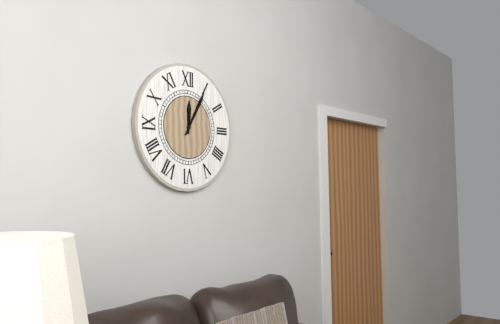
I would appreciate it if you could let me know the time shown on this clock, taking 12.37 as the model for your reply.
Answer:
12.05
